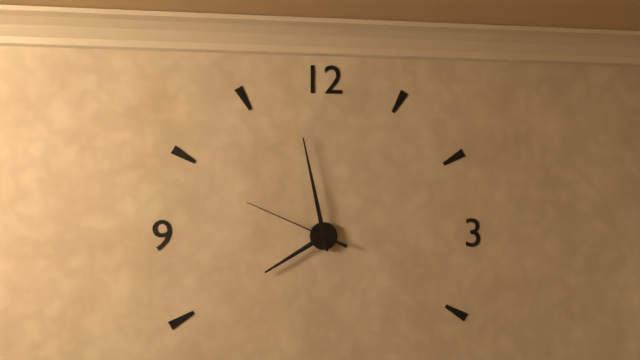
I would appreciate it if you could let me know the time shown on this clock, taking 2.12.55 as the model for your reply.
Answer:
7.58.49
